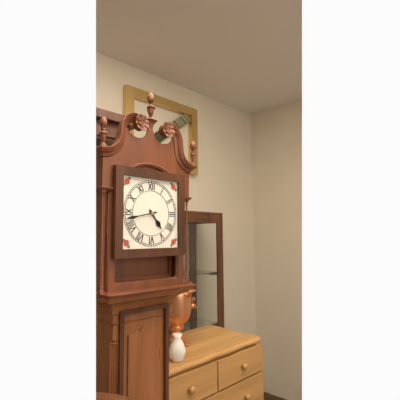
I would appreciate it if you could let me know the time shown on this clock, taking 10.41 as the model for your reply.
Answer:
4.43
